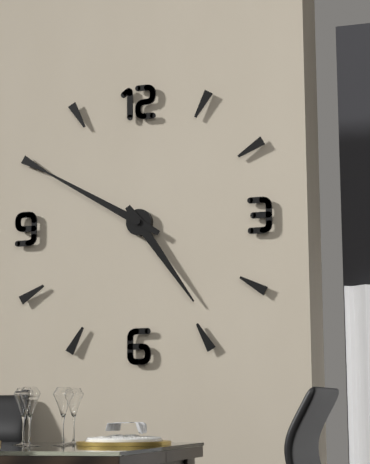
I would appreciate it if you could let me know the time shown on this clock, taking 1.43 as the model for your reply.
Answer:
4.50
